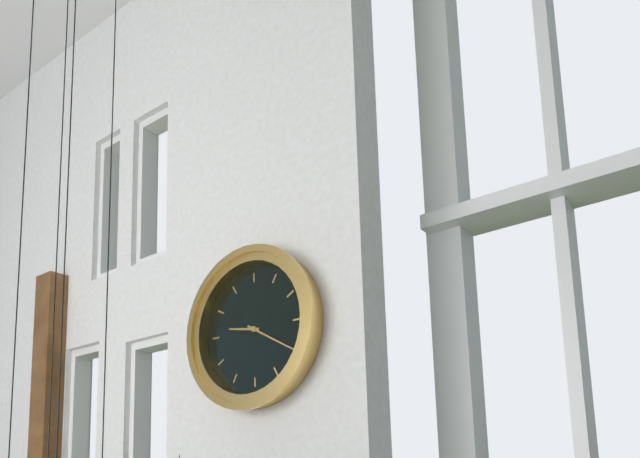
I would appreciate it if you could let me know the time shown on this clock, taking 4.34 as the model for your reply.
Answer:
9.20
